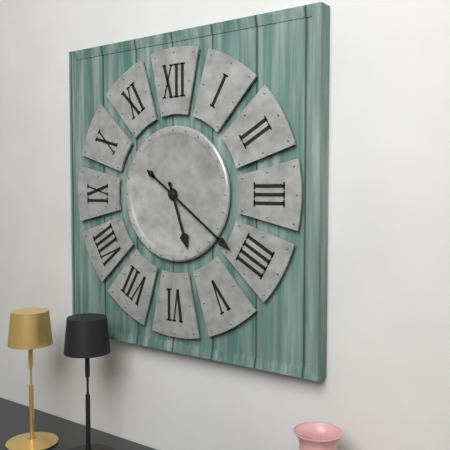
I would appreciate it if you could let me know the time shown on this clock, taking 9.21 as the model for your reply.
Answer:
5.21
